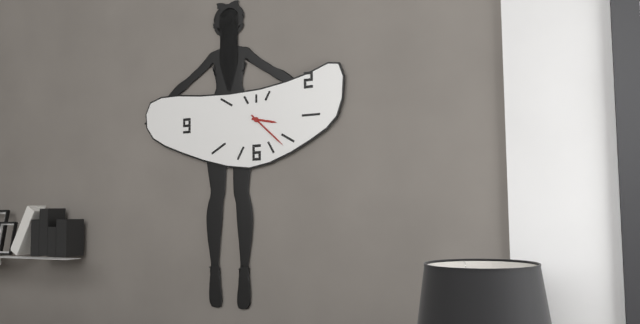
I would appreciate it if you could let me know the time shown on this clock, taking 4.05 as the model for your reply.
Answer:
3.22
